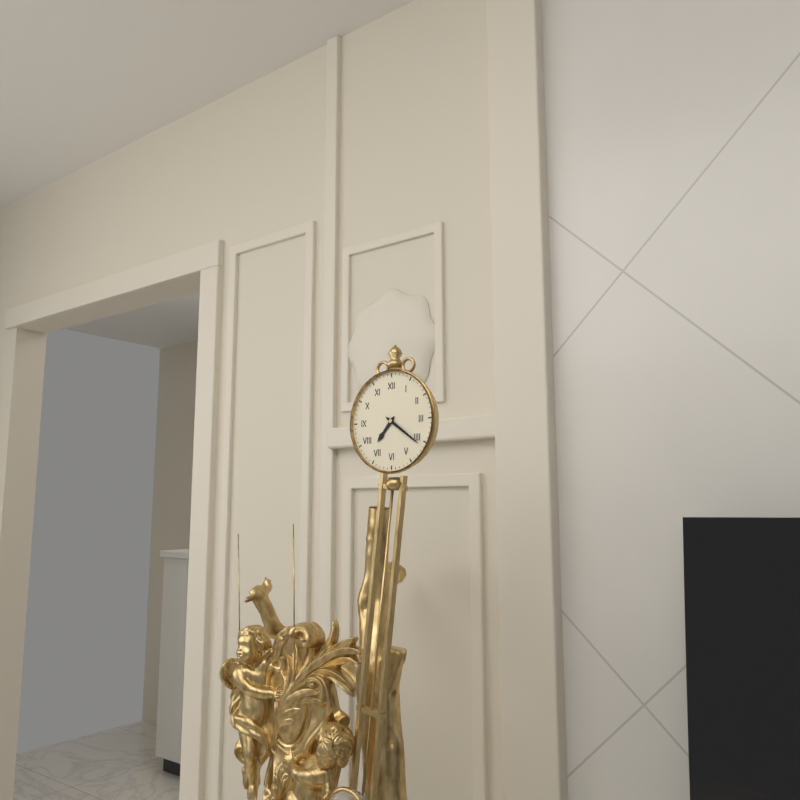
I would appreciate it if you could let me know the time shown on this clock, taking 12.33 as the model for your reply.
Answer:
7.21
